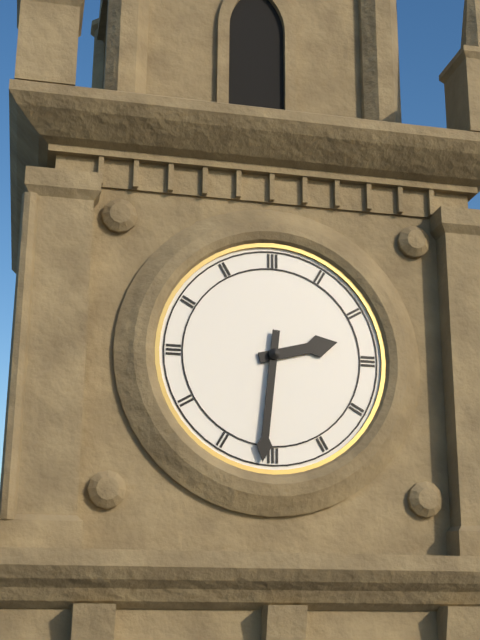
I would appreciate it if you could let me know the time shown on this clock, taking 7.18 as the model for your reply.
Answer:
2.31
